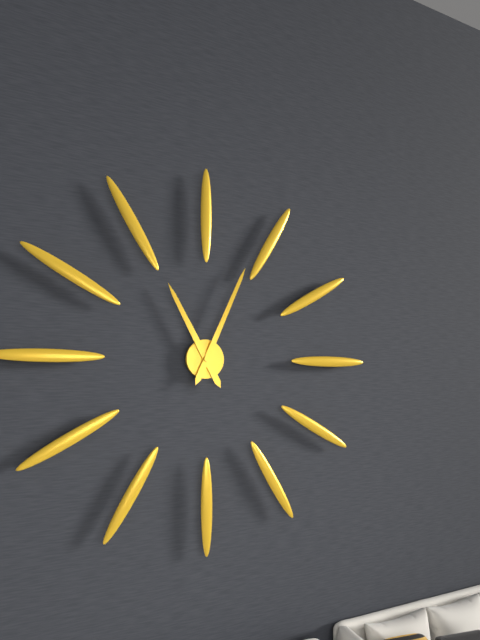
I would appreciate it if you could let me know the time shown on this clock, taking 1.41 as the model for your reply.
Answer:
11.04
